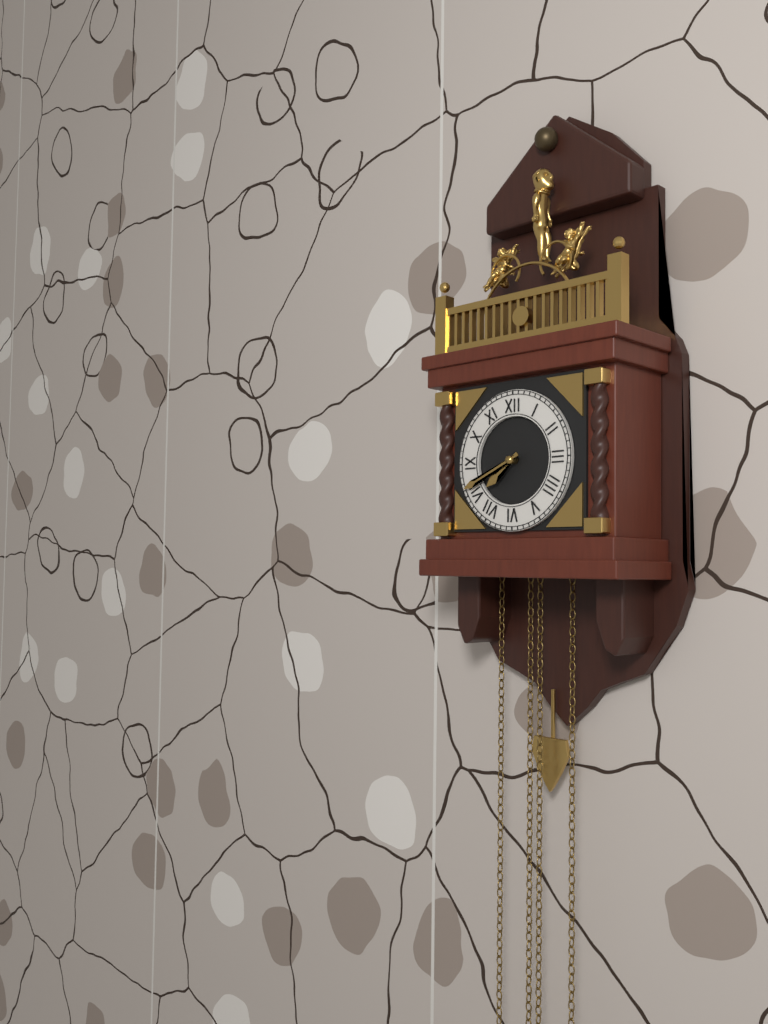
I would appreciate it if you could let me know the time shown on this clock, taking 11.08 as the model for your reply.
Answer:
7.41
